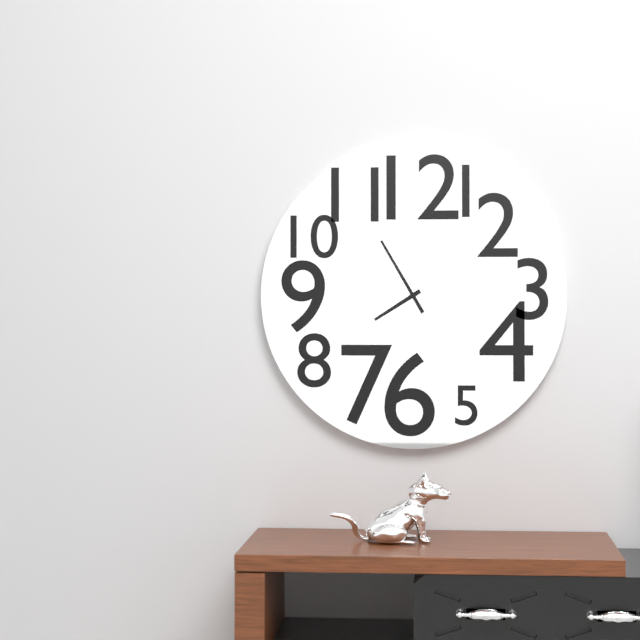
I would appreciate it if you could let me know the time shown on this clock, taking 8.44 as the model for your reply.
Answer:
7.55
